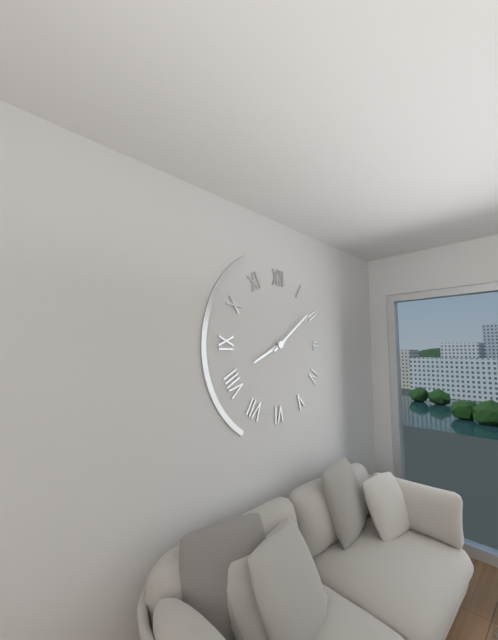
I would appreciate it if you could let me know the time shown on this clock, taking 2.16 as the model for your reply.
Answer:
8.09
